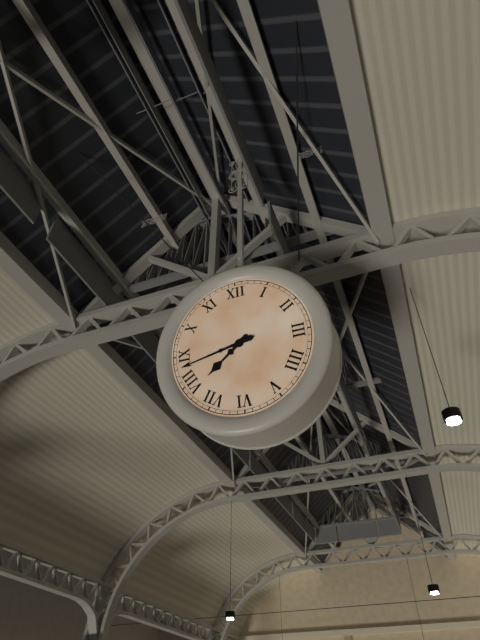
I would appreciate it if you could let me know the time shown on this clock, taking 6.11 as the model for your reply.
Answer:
7.43
